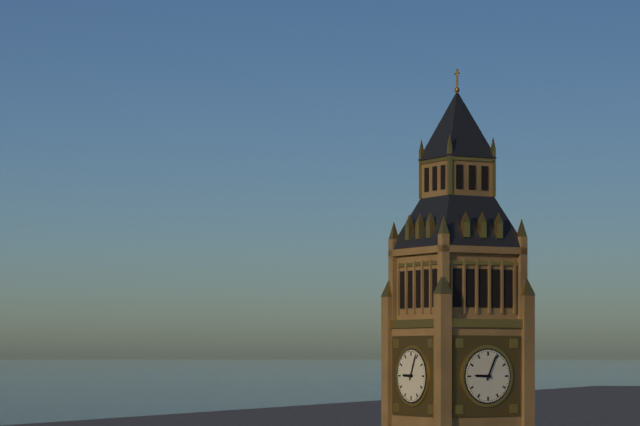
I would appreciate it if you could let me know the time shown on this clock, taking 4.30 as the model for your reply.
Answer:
9.04
